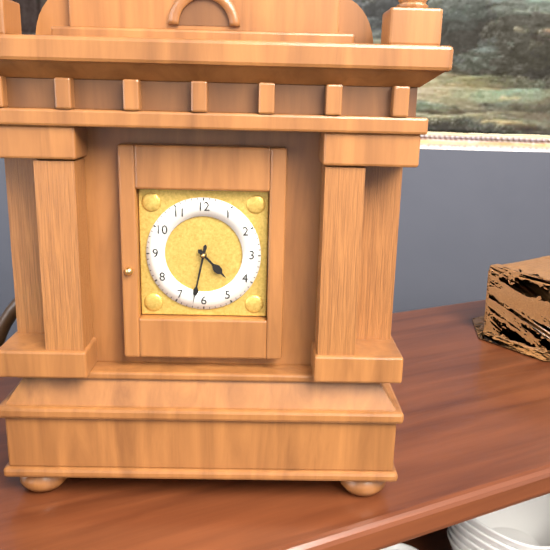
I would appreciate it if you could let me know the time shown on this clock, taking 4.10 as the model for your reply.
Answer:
4.32
